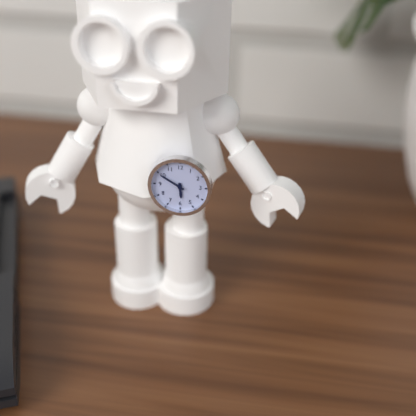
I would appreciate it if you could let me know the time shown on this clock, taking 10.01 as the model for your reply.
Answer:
5.50
